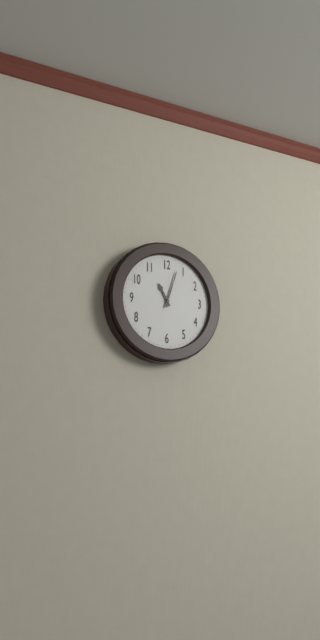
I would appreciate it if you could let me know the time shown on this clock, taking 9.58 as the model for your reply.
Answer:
11.03
